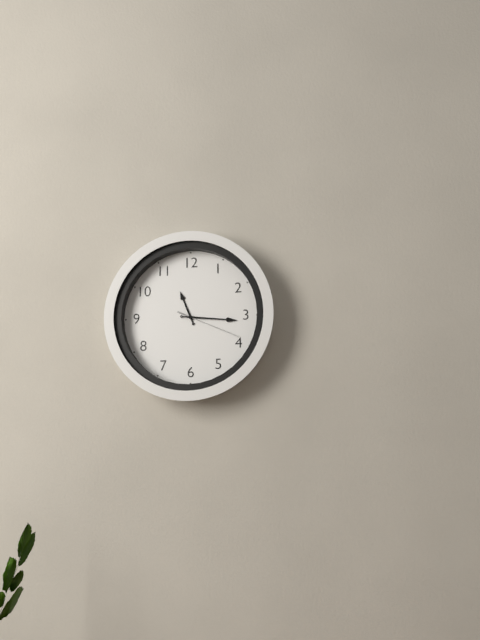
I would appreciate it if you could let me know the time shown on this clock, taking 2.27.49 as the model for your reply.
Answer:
11.16.19
